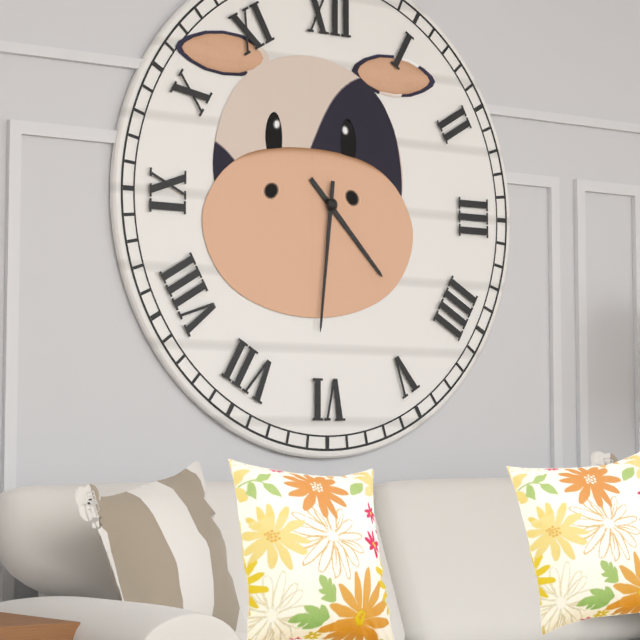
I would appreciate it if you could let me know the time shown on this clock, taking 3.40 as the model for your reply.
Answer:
4.31
